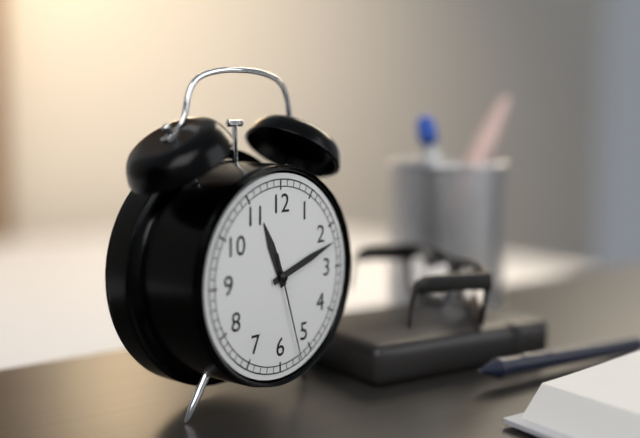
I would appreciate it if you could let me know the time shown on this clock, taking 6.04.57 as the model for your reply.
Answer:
11.12.27
